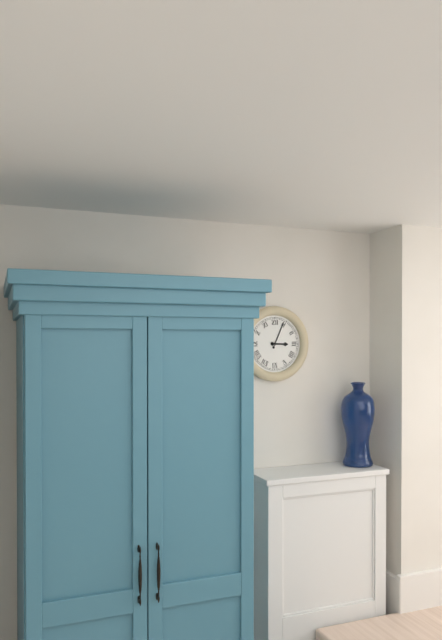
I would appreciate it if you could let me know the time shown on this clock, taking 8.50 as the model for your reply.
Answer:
3.04
